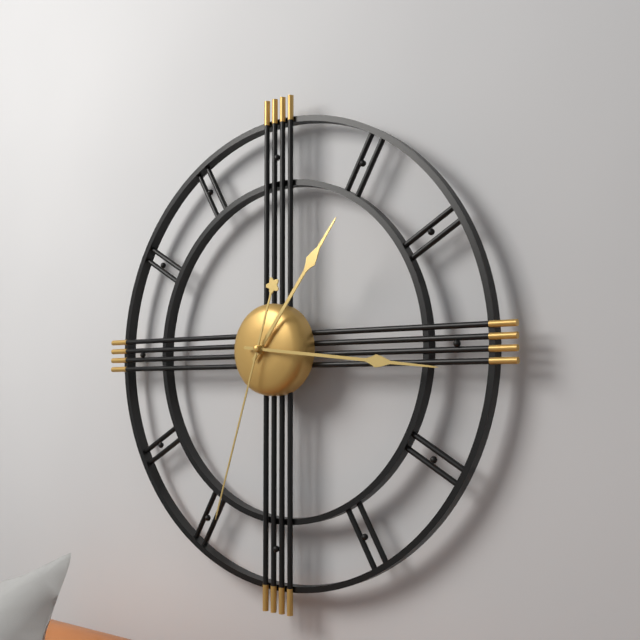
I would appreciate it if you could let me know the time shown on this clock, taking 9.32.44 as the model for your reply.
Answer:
1.16.33
